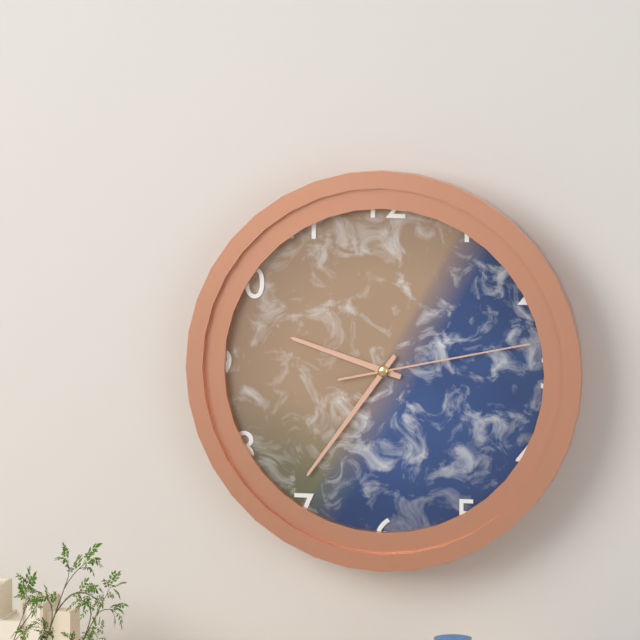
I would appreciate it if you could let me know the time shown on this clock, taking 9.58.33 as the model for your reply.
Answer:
9.36.13
